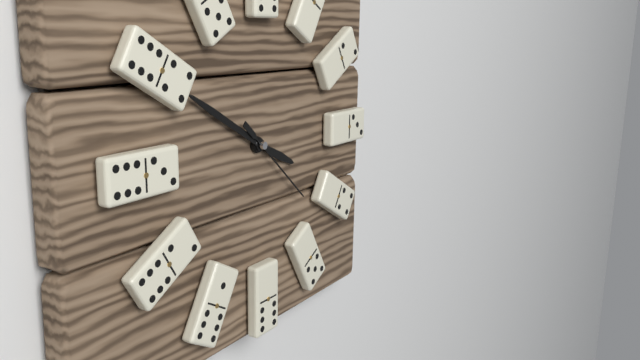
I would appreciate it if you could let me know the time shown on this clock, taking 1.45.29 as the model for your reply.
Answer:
3.50.22
